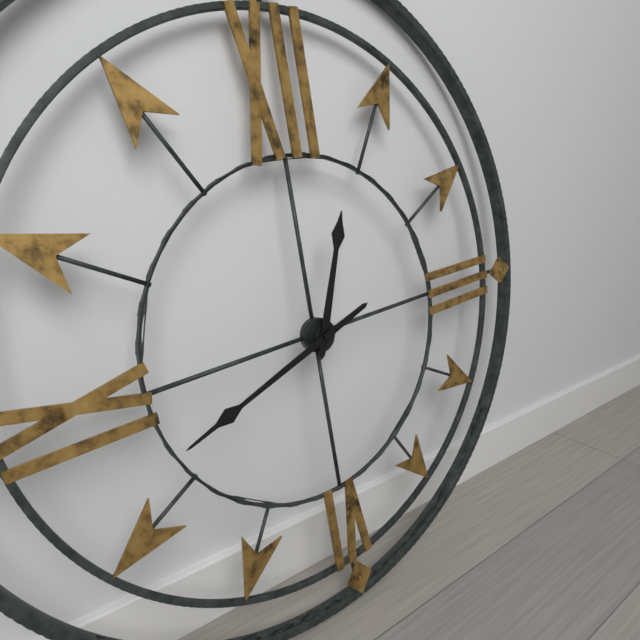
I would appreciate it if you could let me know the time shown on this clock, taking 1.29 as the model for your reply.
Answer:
12.42
